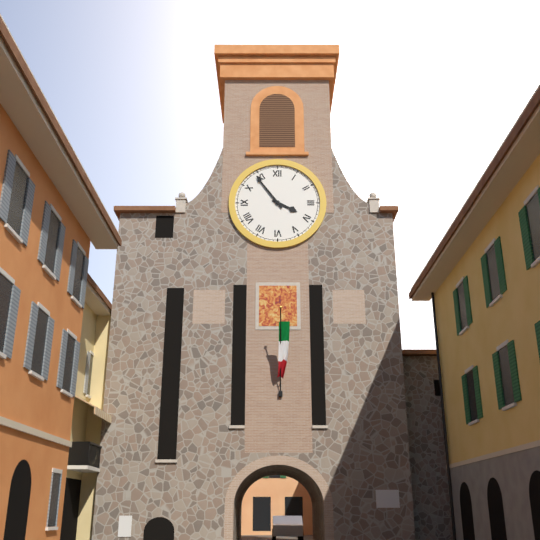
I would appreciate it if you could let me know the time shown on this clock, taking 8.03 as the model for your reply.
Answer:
3.54
